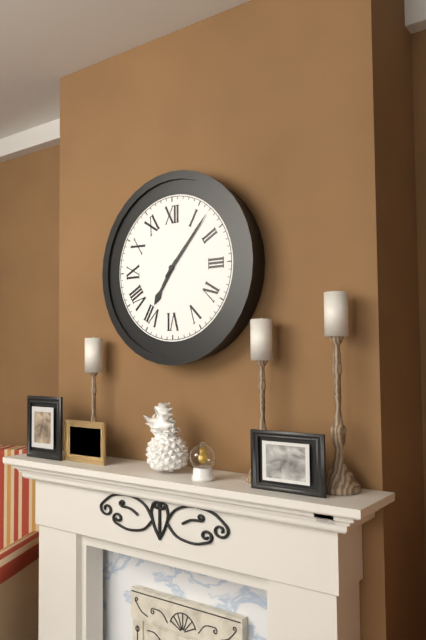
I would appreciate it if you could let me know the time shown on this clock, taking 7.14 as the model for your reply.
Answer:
7.07
